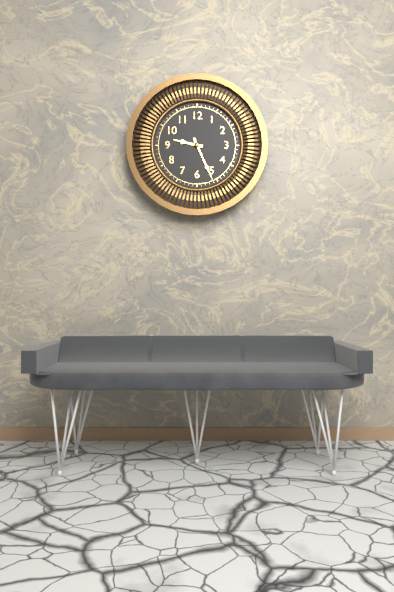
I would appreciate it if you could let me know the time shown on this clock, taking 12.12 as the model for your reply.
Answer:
9.26
